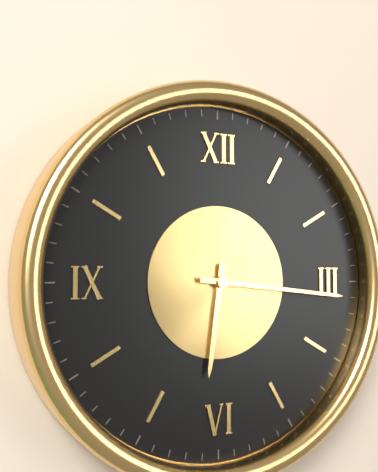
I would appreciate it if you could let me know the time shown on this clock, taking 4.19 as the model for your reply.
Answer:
6.16
